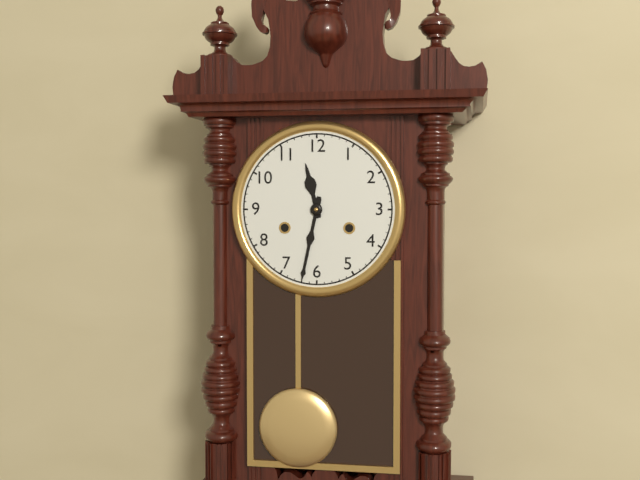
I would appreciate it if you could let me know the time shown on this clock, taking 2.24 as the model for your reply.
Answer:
11.32
